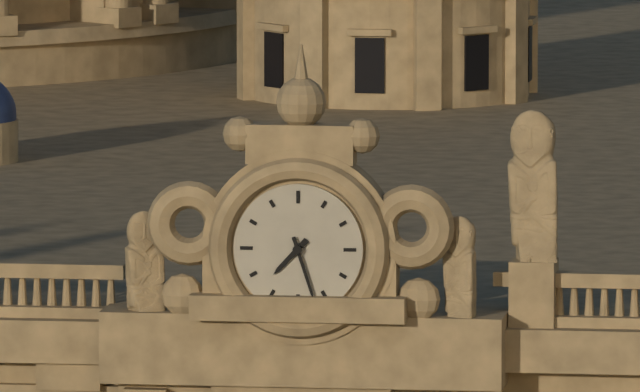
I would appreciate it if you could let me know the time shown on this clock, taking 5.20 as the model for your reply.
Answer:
7.27
